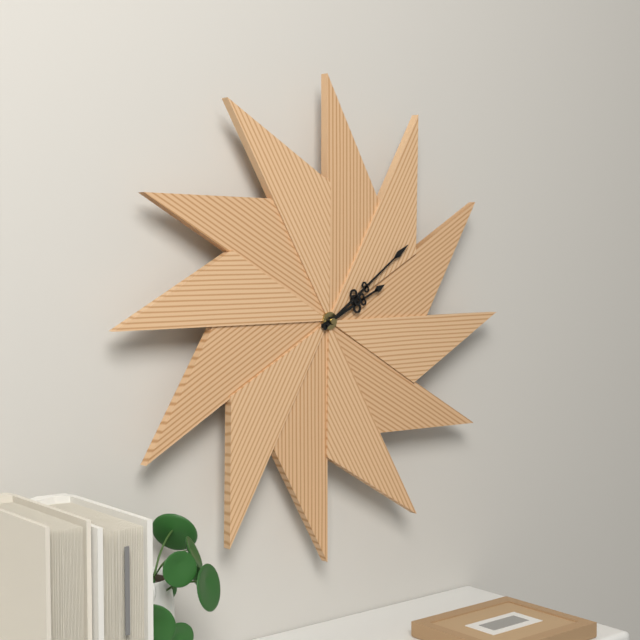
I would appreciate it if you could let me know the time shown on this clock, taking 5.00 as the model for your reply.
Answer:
2.09
